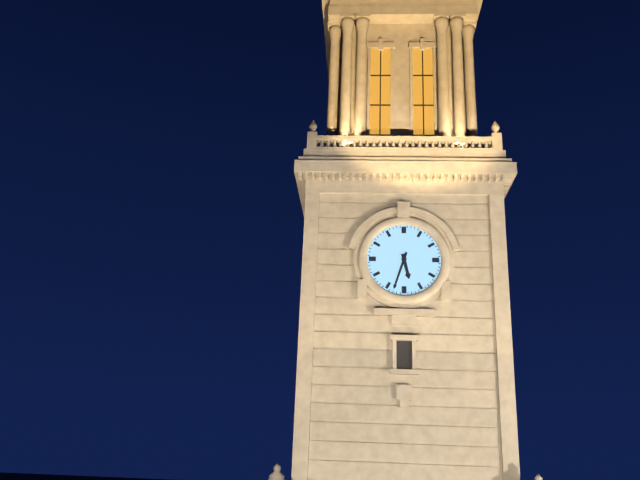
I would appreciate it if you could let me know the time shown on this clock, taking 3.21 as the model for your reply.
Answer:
5.33
